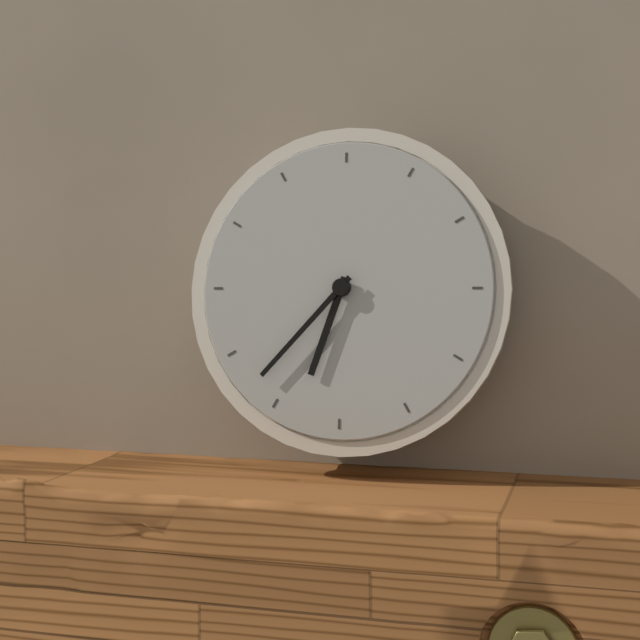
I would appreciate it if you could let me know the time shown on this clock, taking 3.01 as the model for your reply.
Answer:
6.37
